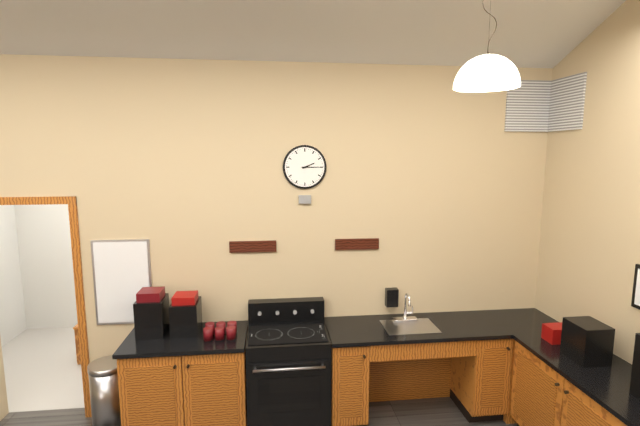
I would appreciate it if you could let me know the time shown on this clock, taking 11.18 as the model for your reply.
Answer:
2.15
